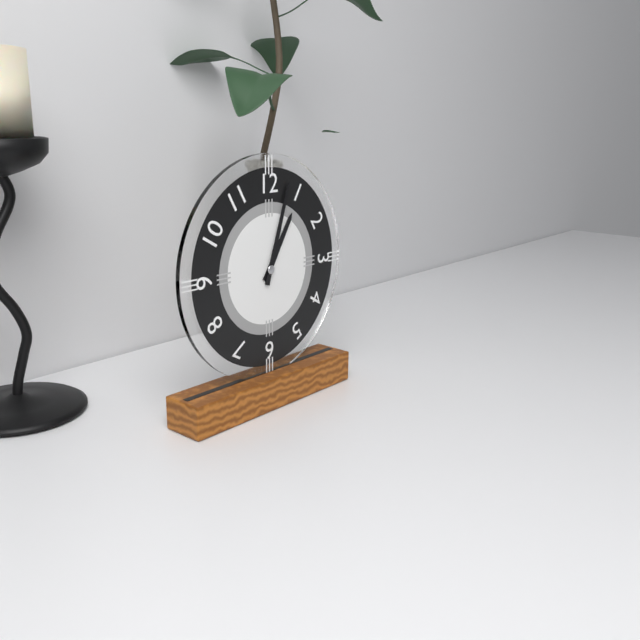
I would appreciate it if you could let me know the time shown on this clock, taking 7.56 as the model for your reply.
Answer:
1.03
